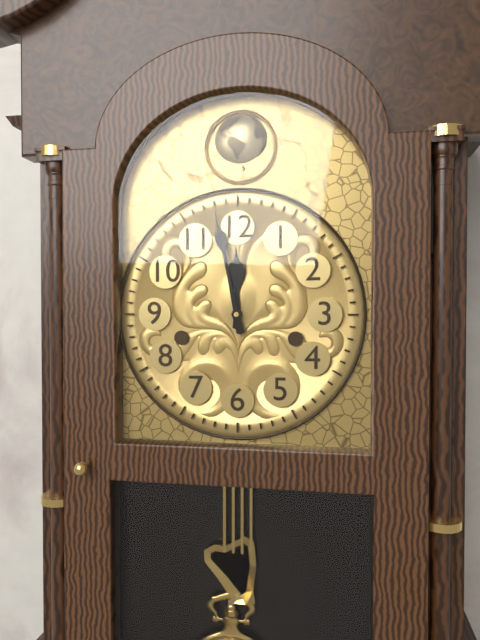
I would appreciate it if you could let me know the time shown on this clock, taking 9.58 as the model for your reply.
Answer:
11.58
